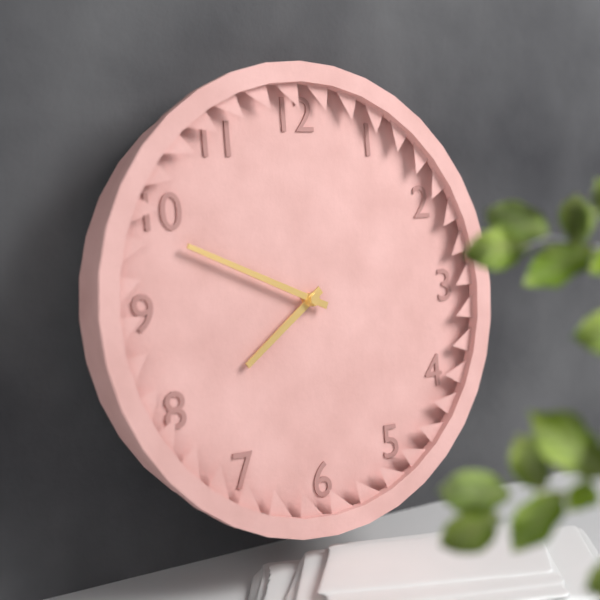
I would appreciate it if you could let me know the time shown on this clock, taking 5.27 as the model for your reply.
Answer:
7.49
